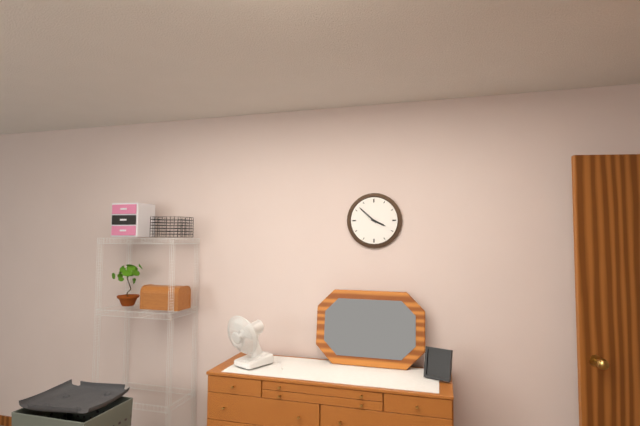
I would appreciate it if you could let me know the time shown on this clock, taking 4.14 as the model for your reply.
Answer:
3.52
